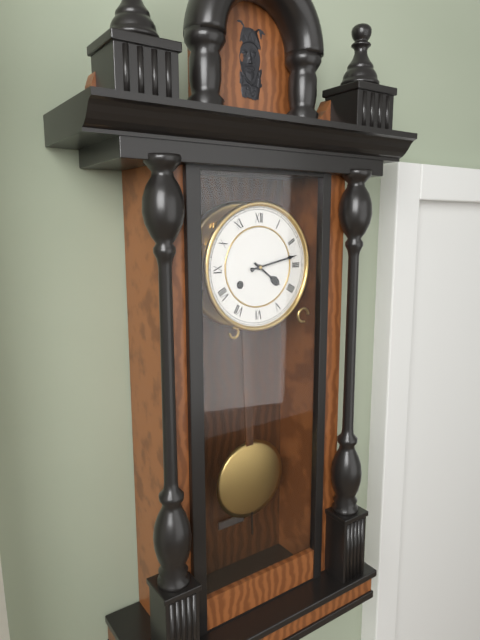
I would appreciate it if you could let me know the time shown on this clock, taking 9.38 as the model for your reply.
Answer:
4.13
